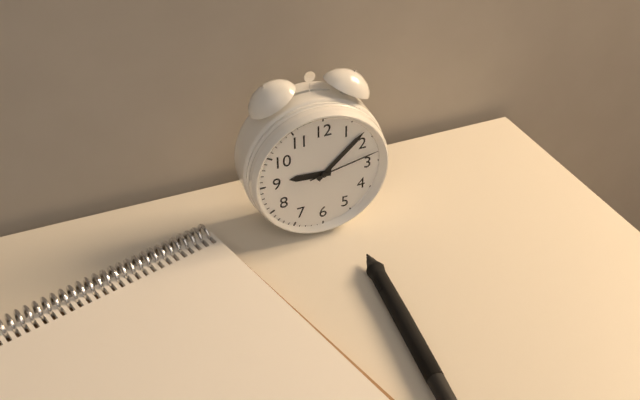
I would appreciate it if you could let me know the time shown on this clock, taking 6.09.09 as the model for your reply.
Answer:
9.08.13
